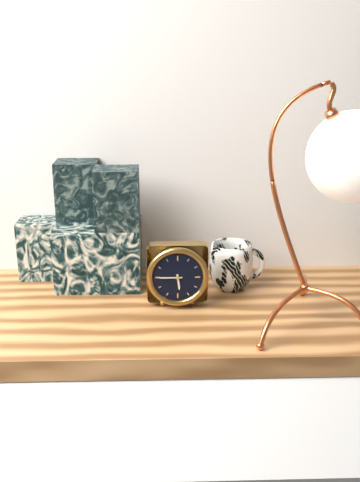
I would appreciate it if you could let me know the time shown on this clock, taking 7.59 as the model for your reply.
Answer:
5.45
